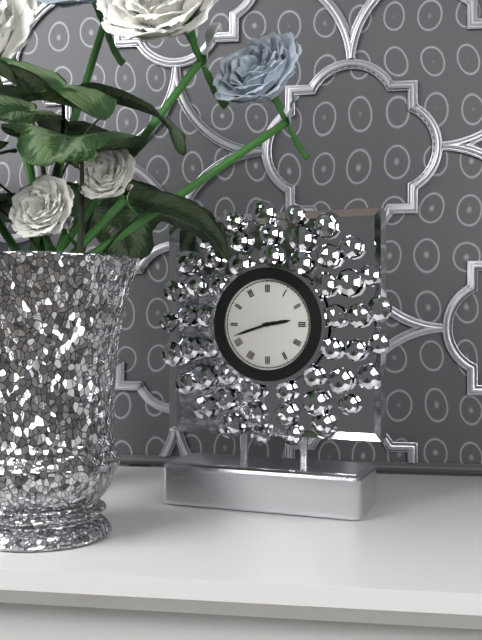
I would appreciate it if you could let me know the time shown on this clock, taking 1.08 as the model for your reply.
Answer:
2.42
